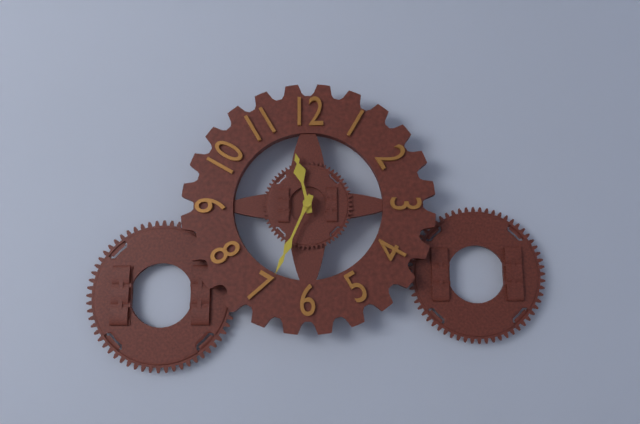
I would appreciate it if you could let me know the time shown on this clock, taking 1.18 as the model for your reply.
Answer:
11.34
